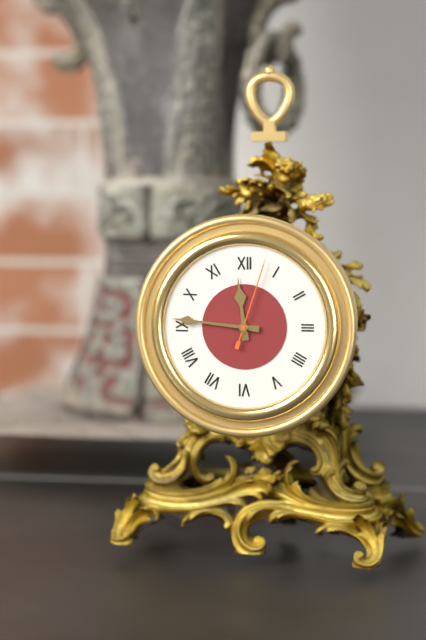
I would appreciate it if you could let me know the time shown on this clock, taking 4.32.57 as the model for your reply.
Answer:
11.46.03
